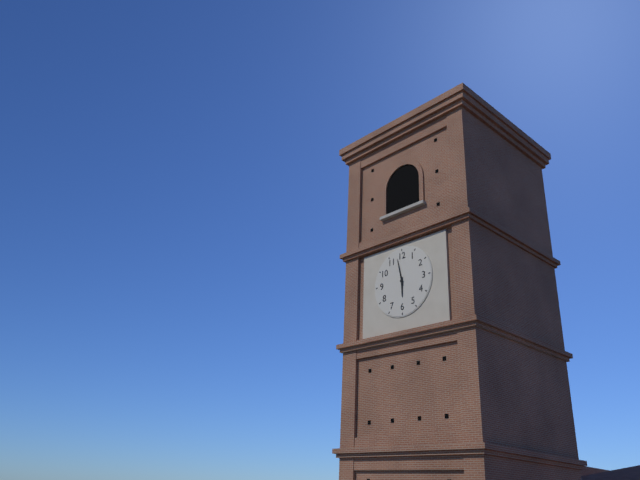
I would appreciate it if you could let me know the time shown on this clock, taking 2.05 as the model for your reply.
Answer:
5.58
